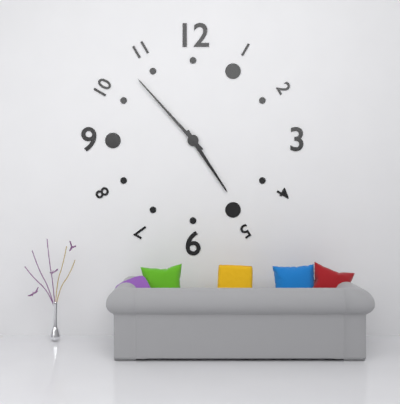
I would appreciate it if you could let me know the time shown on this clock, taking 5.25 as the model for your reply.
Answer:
4.53
